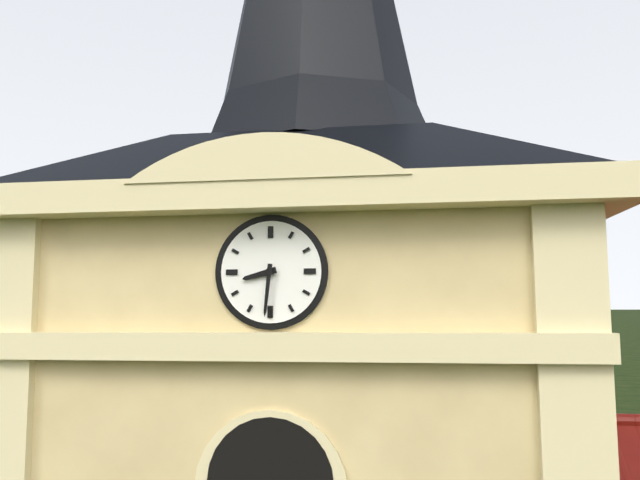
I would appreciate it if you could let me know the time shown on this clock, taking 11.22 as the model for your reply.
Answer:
8.31
